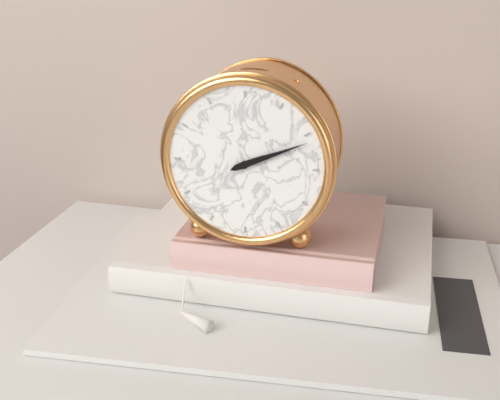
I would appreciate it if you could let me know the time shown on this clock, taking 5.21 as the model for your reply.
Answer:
2.11
